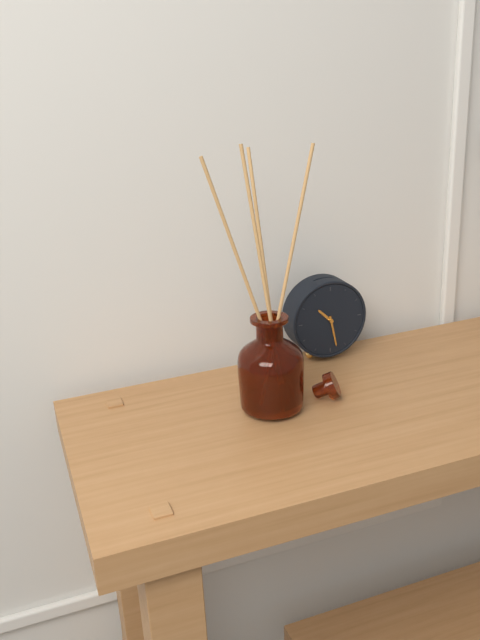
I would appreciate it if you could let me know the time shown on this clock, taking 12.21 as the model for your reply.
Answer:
10.28
